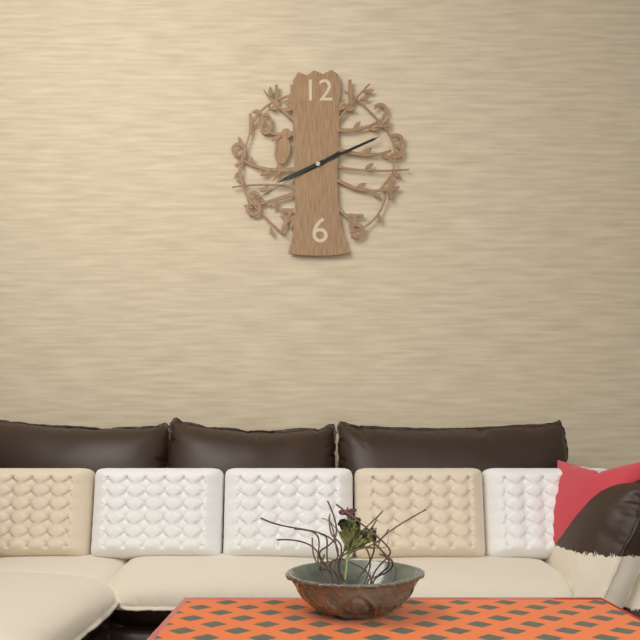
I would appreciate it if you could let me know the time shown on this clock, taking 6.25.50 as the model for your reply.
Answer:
8.11.40
